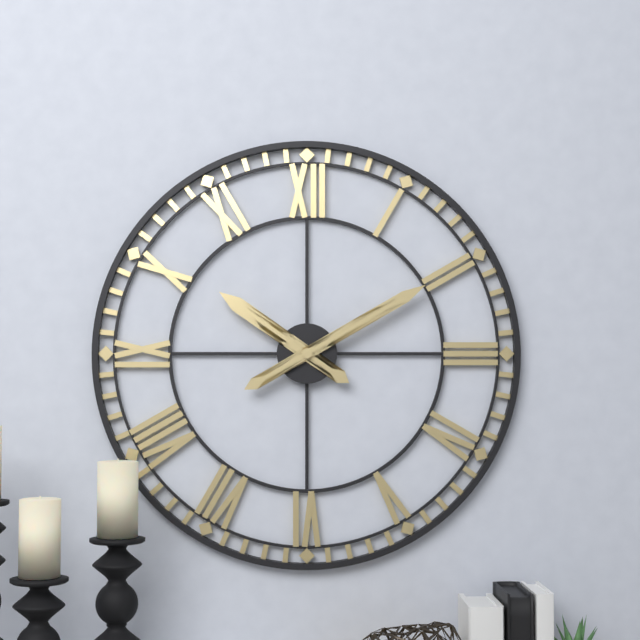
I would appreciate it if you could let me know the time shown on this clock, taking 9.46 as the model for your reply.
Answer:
10.10
